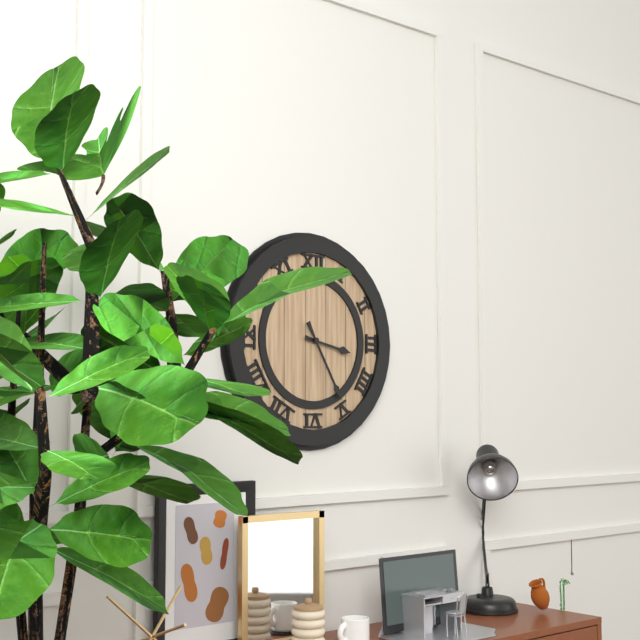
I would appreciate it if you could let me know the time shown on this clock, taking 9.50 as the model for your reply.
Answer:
3.25
